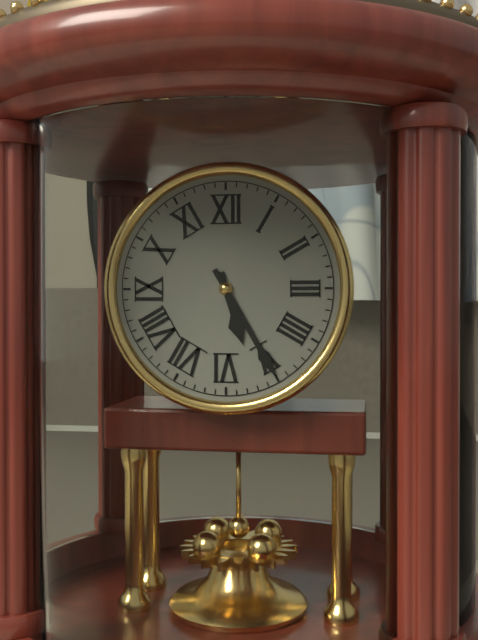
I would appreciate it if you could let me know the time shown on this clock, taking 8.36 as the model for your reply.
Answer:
5.25
